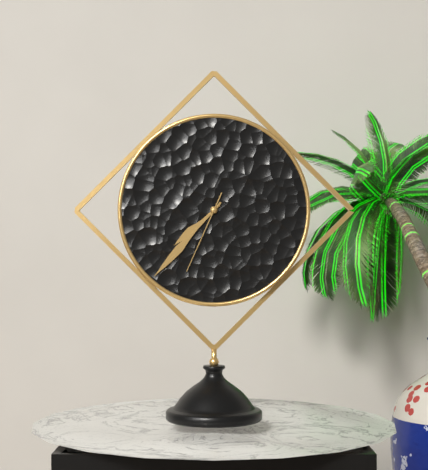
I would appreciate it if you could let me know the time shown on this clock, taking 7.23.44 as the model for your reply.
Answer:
7.37.34
